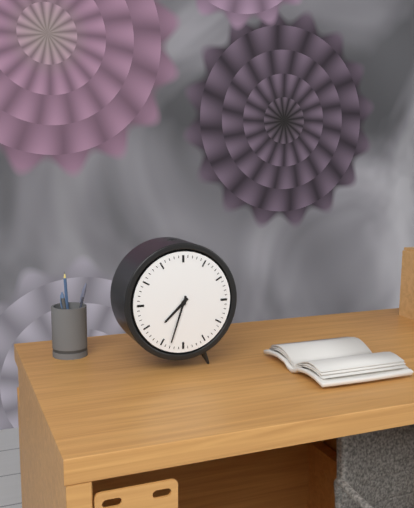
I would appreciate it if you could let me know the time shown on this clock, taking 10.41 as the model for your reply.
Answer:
7.33
